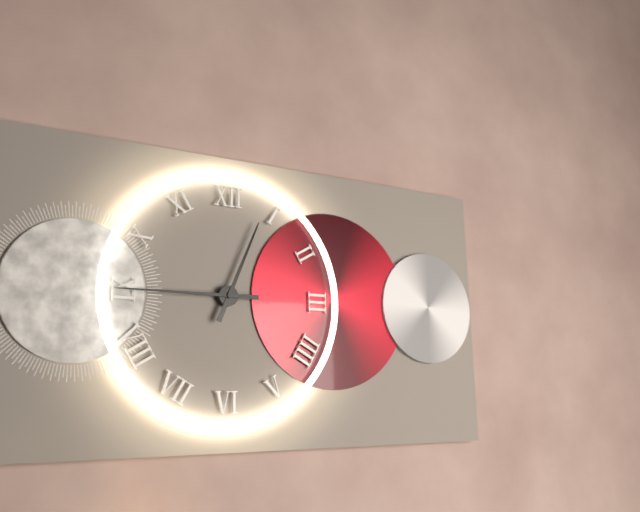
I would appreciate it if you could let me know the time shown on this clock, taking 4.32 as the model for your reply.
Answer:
12.45
